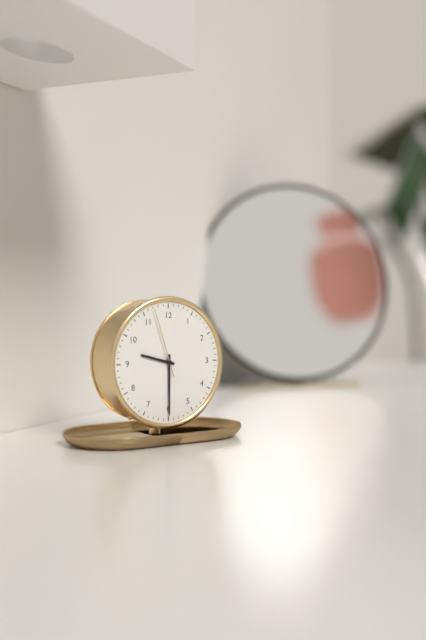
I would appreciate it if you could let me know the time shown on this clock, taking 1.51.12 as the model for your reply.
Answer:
9.30.57
